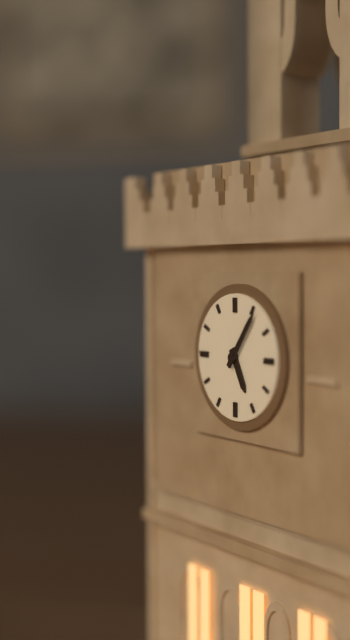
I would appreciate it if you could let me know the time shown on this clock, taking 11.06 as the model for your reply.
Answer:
5.06
